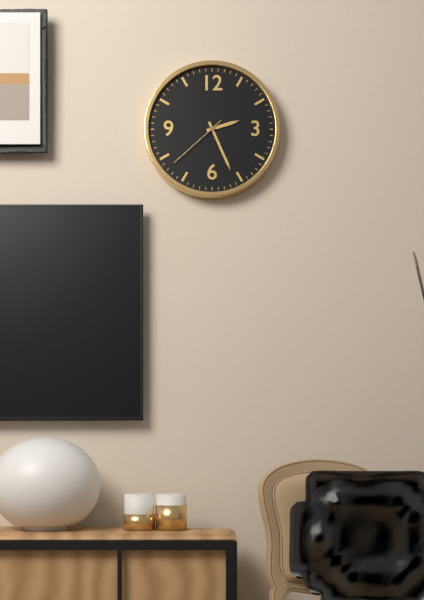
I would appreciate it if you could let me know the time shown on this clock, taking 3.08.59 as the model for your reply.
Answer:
2.26.38
